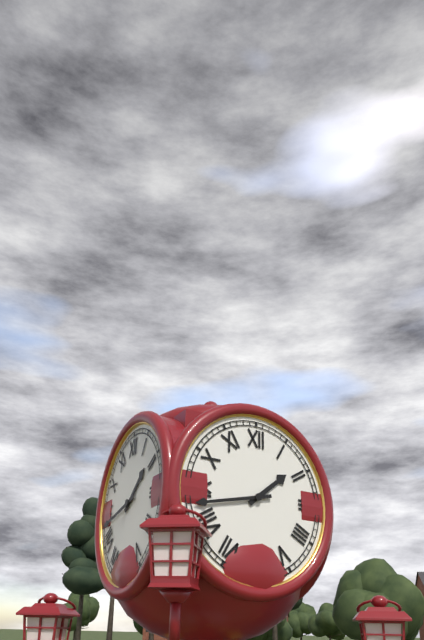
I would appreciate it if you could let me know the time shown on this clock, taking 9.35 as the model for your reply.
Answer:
1.43
